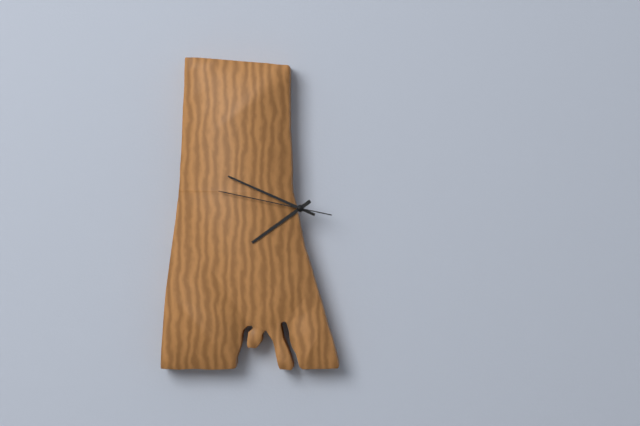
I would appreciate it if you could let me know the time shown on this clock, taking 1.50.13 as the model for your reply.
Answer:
7.49.47
